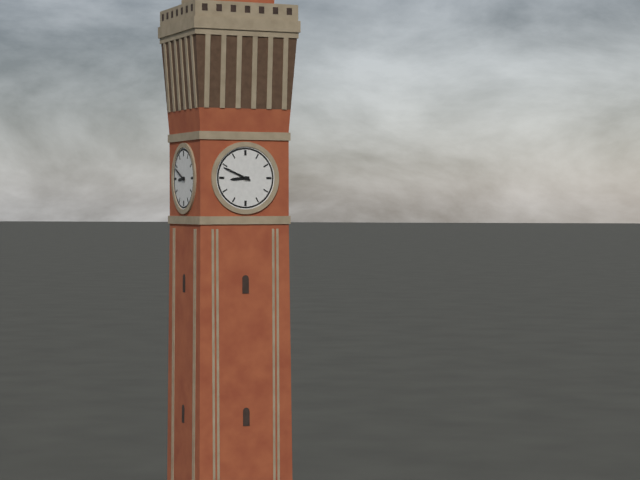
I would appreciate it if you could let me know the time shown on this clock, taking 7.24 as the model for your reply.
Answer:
8.49
